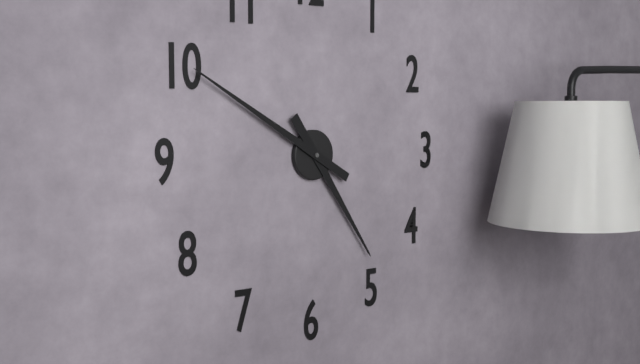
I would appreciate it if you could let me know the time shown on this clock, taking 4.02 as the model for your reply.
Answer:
4.50
